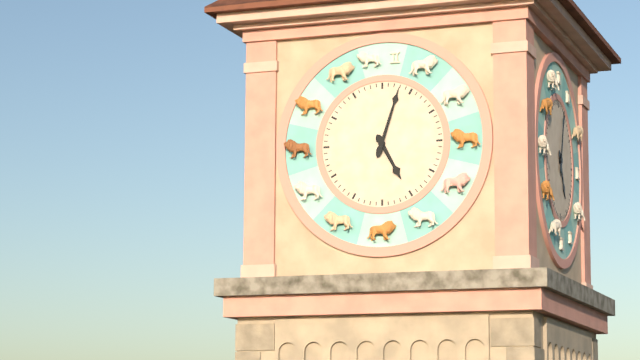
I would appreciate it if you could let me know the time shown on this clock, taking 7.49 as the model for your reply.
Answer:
5.03
